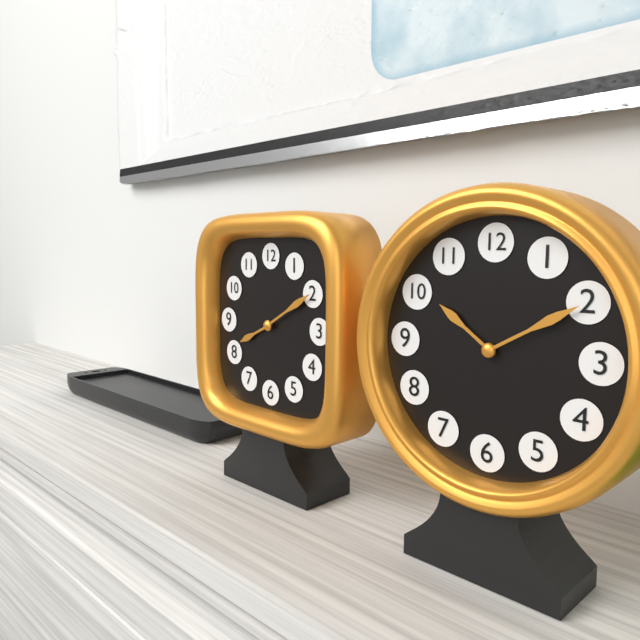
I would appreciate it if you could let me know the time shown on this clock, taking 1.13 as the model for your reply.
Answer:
8.10
